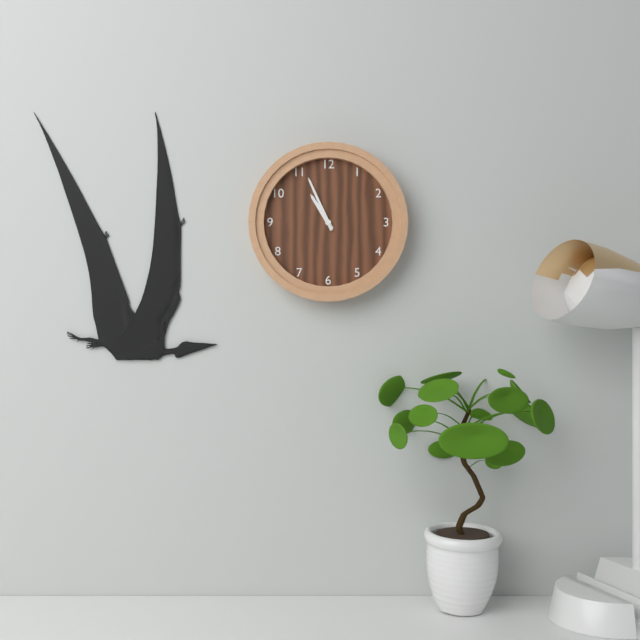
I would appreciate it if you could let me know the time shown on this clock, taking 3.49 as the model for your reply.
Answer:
10.56
